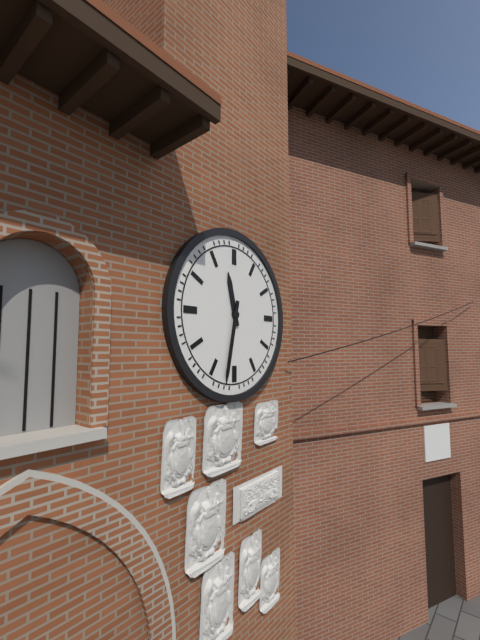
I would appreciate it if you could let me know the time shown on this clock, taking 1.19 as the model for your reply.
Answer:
11.32
